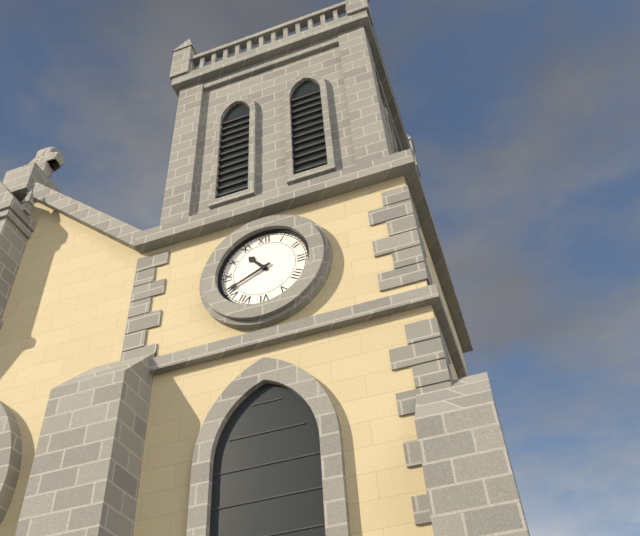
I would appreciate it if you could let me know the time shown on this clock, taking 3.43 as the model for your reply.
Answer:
10.41
